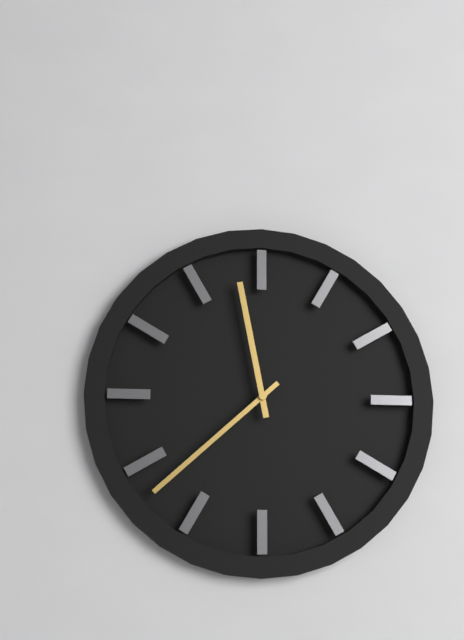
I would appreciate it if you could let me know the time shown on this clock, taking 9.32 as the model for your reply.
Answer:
11.38
